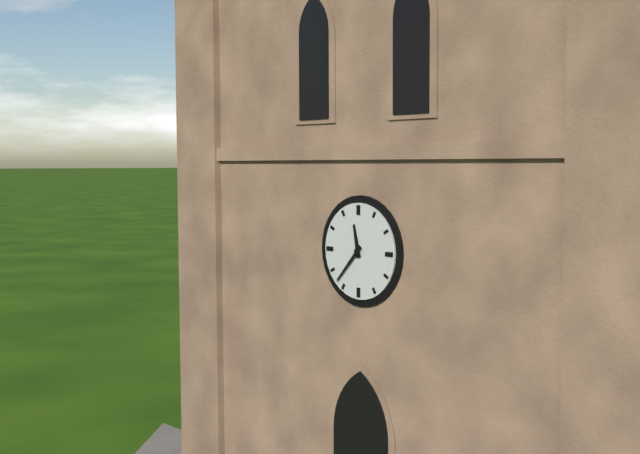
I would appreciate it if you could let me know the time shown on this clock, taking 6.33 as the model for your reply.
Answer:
11.37
